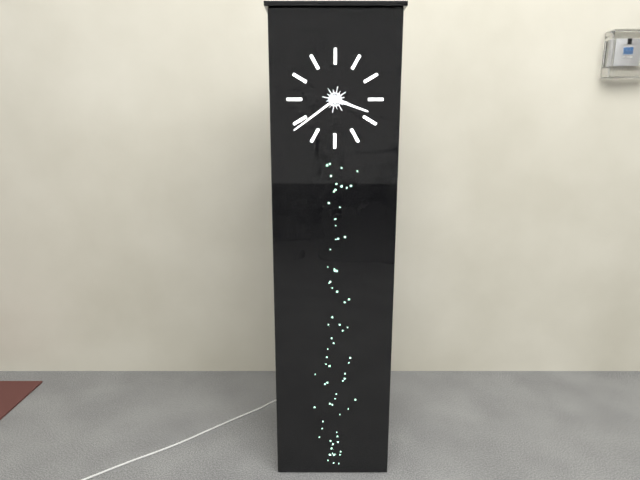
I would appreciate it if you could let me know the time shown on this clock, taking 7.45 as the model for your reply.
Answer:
3.39
